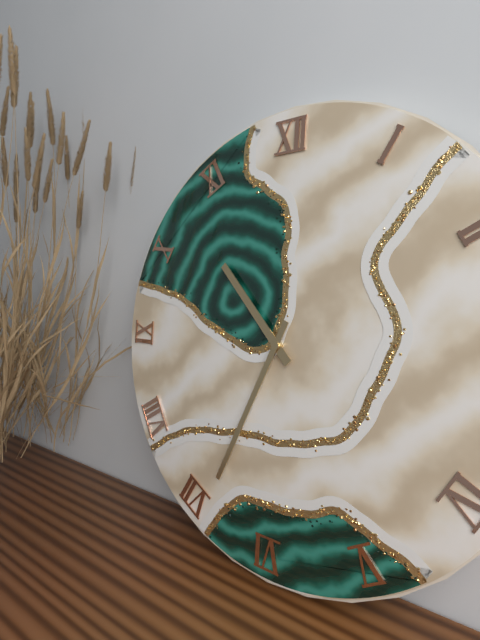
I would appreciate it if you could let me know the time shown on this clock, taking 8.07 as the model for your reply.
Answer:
10.34
